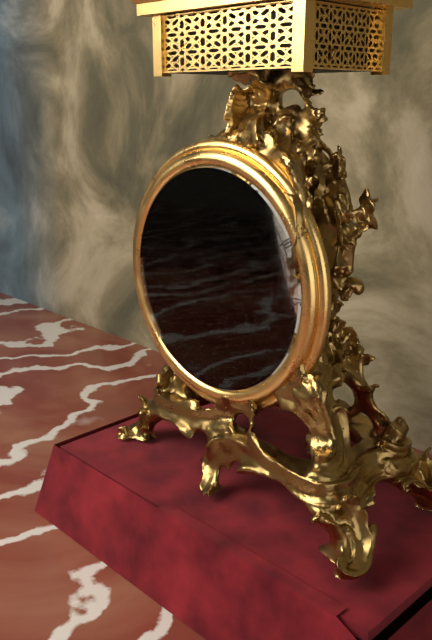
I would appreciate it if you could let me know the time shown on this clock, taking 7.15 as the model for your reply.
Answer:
8.47
